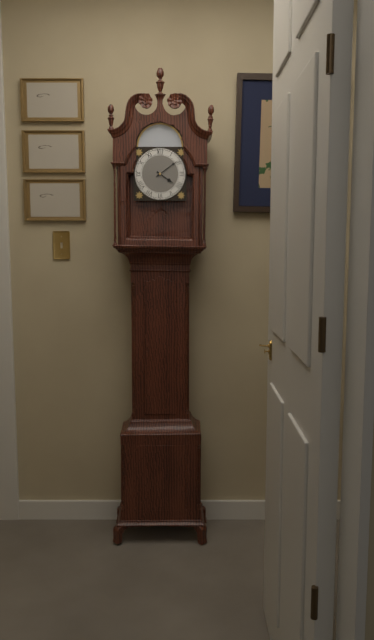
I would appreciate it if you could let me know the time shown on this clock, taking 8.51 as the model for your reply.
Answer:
4.09
